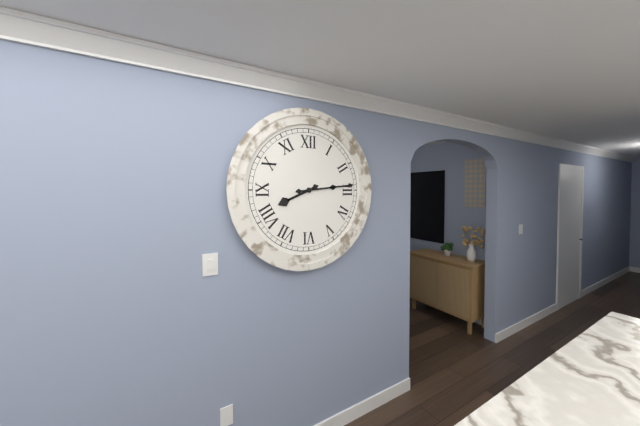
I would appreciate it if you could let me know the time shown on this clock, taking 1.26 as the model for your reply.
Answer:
8.14
